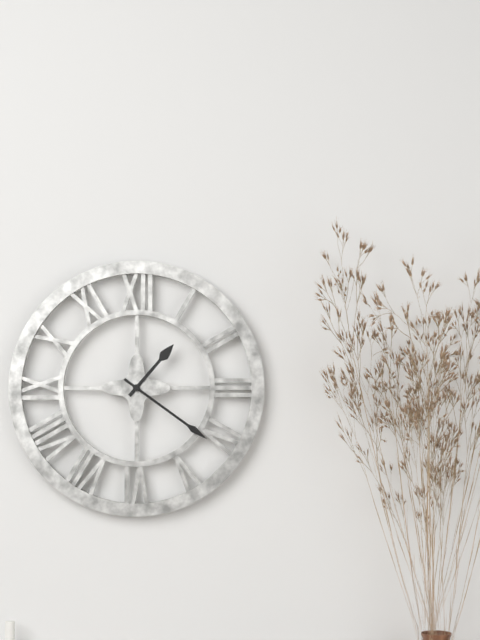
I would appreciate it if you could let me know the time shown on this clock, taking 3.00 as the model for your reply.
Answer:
1.21
